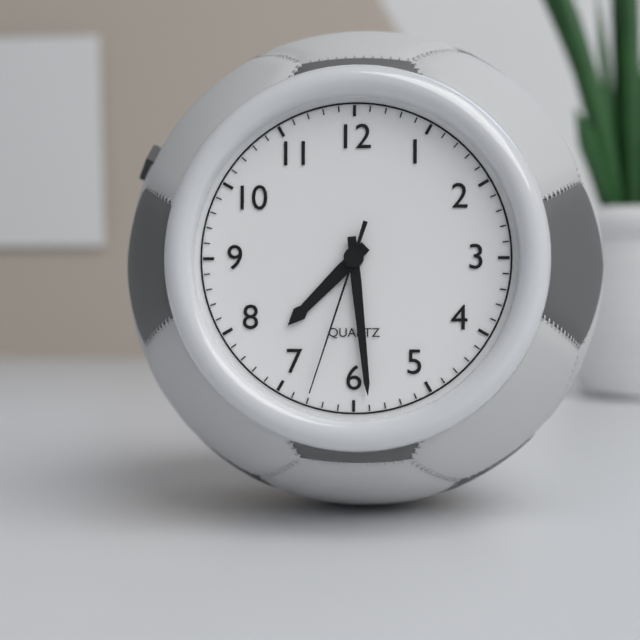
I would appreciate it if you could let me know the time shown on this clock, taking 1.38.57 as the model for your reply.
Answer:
7.29.33
